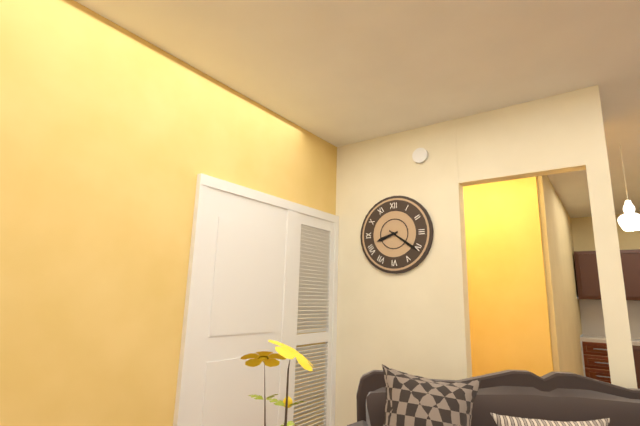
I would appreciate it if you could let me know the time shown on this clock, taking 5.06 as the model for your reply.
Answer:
8.21
